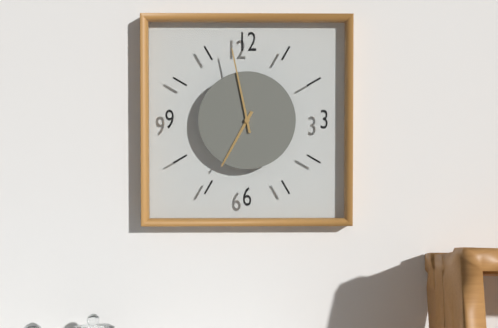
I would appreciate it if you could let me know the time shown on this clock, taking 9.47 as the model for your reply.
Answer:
6.58
